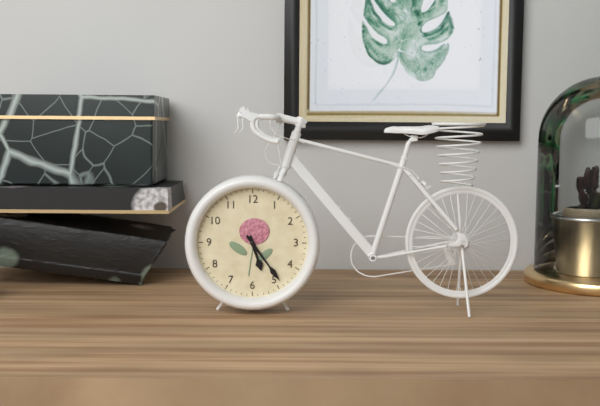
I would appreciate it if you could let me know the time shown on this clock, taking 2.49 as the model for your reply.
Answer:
5.24
